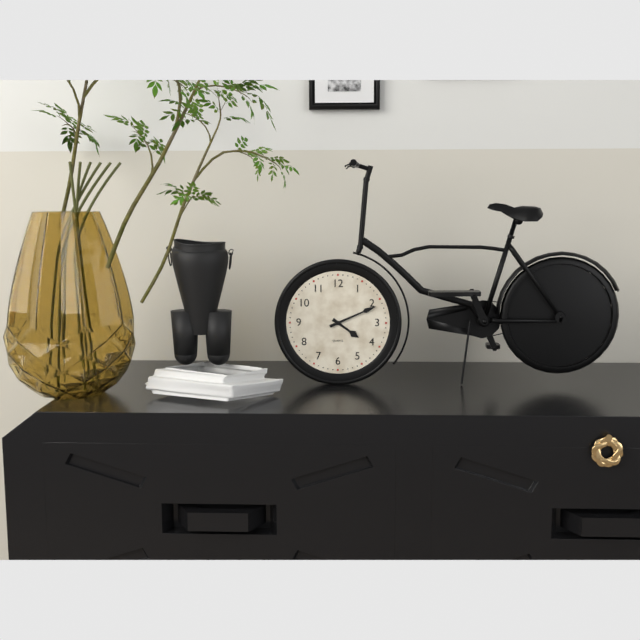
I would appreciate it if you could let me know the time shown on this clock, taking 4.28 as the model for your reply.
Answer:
4.11
